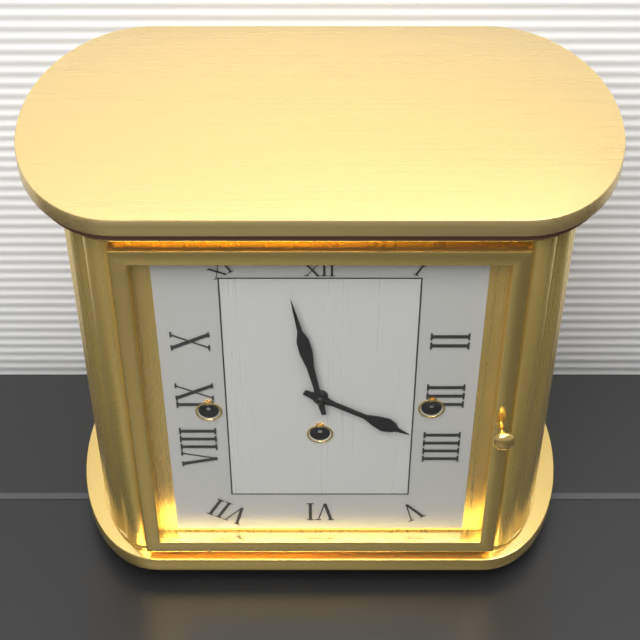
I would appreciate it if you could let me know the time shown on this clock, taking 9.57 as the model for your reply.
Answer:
3.58
